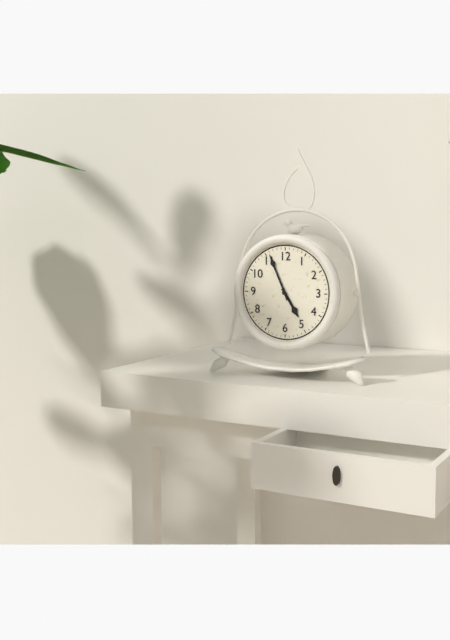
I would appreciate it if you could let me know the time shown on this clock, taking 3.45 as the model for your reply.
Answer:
4.56
